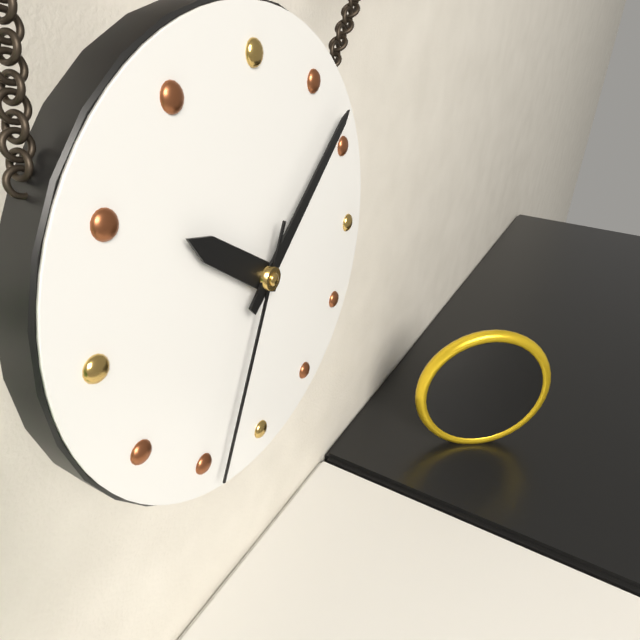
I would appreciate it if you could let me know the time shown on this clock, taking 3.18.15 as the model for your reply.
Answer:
10.08.34
